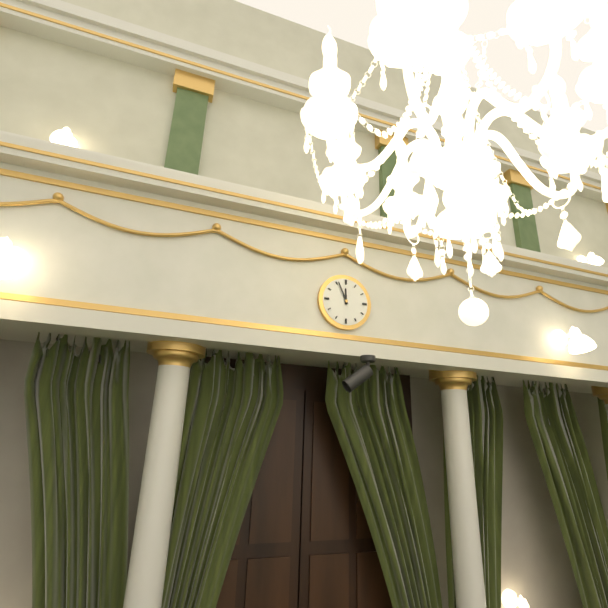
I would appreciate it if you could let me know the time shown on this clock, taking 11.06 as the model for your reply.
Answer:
11.56
